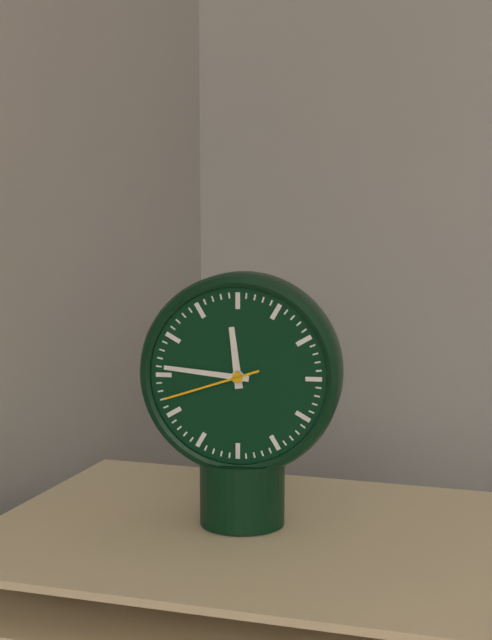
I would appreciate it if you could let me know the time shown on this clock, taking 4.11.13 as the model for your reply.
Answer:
11.46.42
